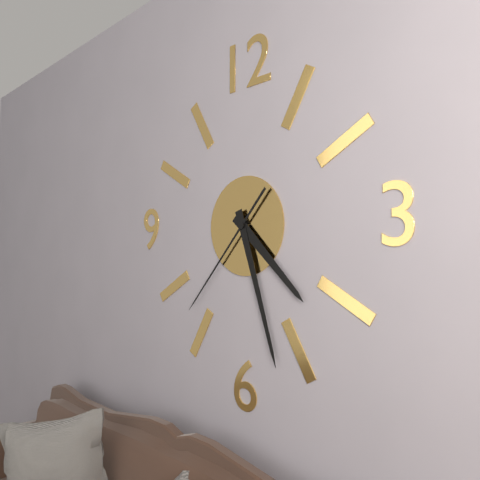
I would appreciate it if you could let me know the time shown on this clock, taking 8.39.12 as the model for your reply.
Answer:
4.27.37
